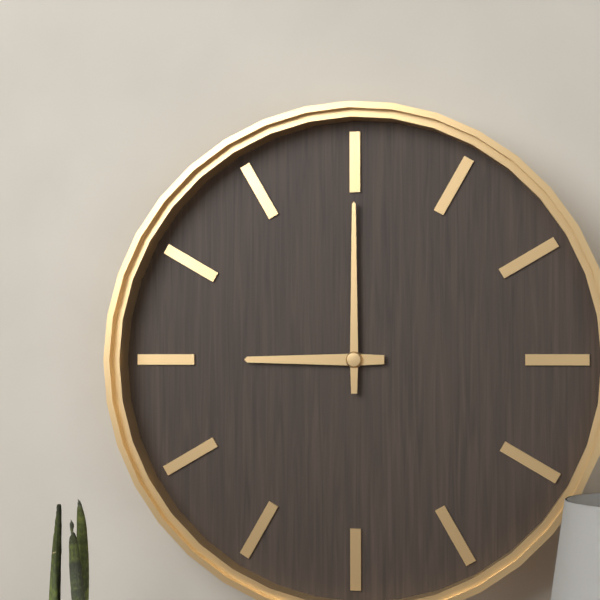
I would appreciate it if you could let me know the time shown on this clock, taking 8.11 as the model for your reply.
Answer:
9.00
